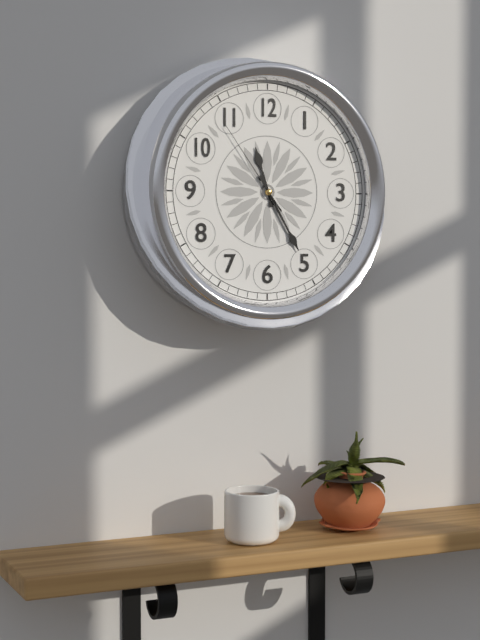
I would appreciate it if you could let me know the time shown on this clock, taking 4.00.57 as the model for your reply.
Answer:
11.25.54
